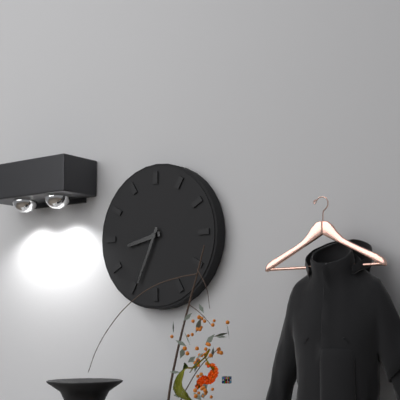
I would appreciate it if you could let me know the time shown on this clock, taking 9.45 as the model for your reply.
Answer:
8.34
